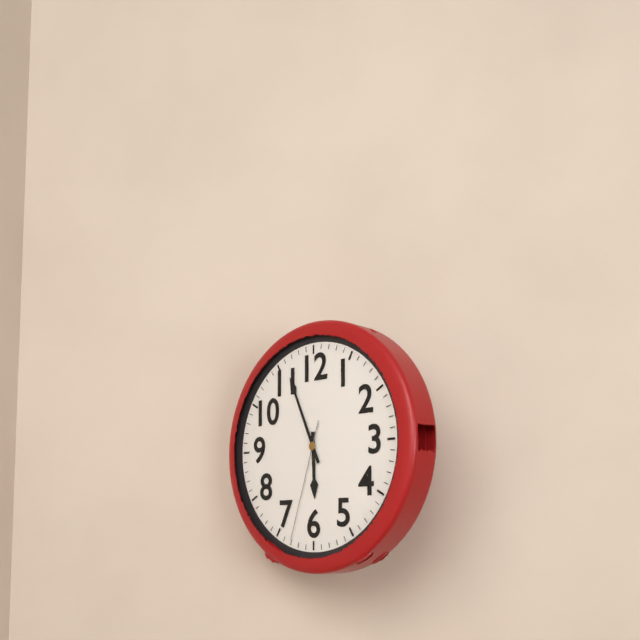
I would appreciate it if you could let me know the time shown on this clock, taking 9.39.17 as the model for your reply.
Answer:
5.56.33
